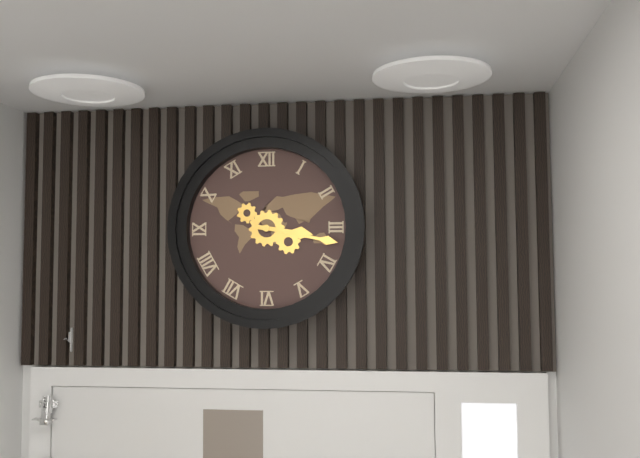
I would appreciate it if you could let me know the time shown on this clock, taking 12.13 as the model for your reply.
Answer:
3.17
